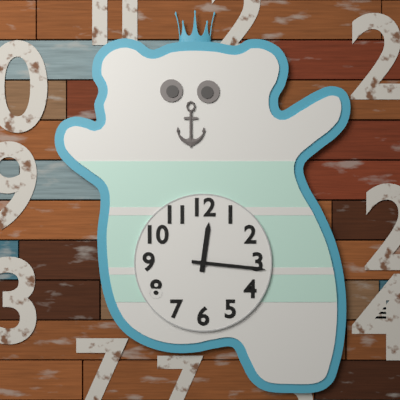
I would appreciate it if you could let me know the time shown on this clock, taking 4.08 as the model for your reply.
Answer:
12.16
